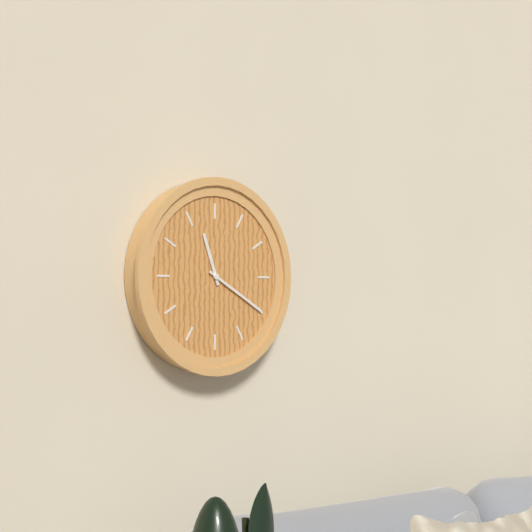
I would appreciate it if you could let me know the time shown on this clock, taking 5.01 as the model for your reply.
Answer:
11.20
